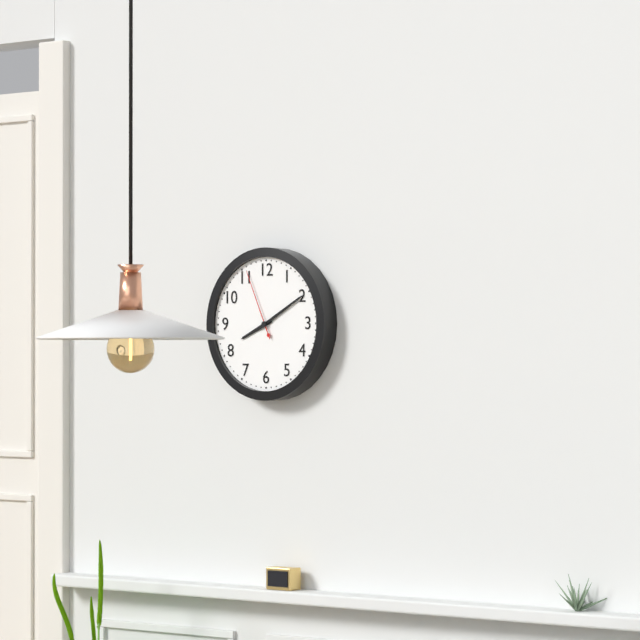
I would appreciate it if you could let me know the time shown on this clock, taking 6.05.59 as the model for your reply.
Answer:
8.10.56
